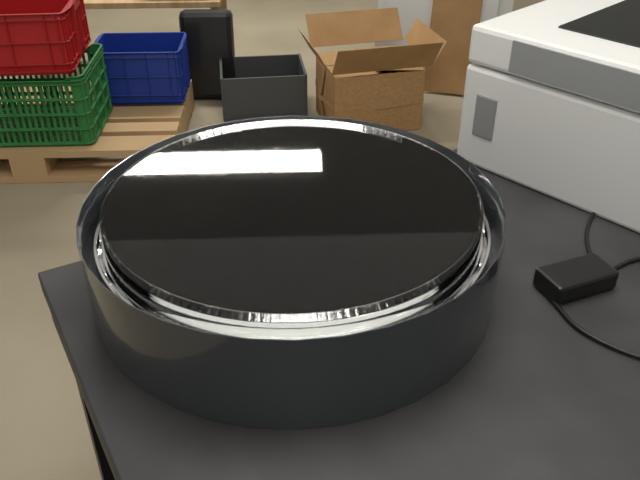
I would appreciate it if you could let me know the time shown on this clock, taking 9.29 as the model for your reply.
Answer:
11.25
